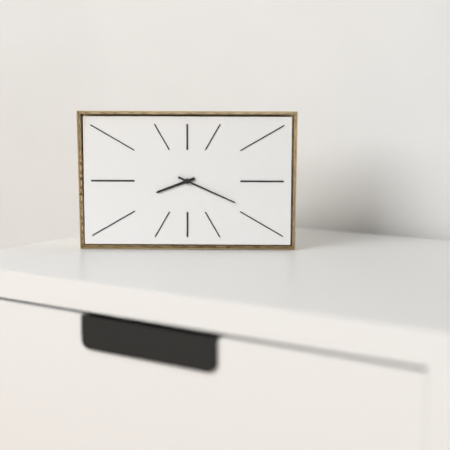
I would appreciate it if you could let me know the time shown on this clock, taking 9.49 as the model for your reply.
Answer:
8.19
